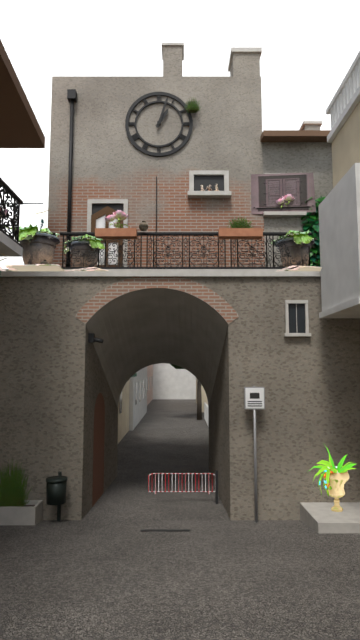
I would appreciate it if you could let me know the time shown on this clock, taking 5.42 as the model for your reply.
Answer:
1.03
